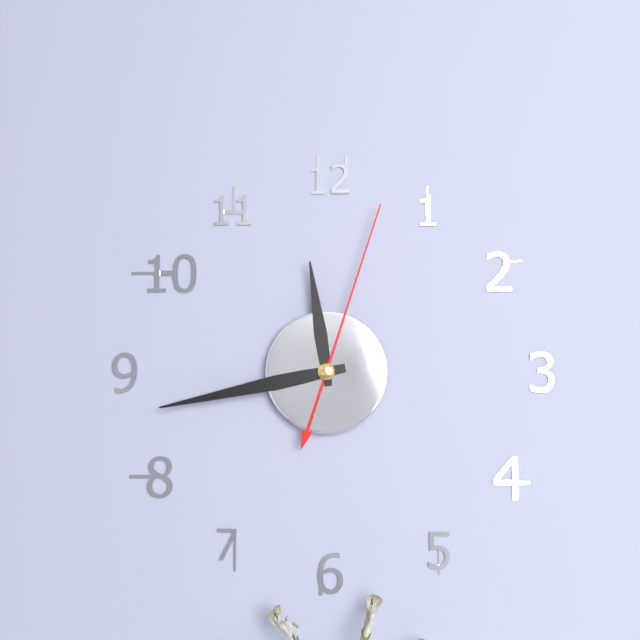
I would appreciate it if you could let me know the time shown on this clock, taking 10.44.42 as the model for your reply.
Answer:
11.43.03
